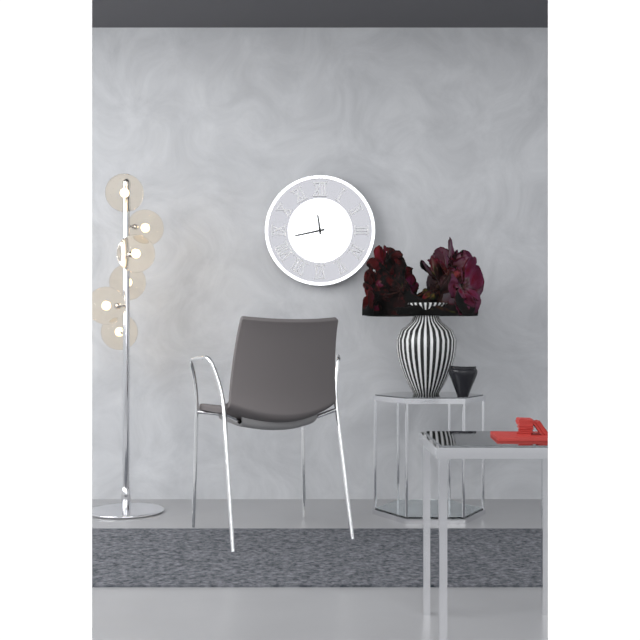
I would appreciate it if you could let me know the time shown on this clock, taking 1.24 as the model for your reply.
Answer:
11.43
